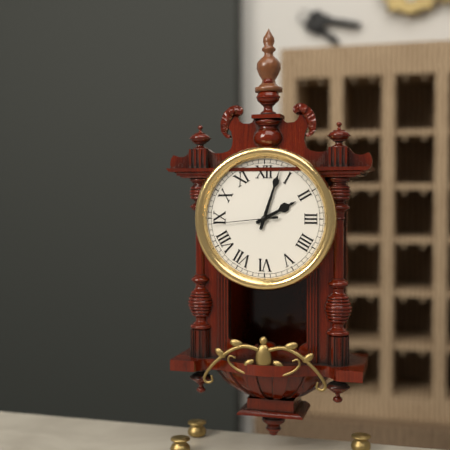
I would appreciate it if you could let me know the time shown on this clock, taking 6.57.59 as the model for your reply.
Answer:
2.03.44
